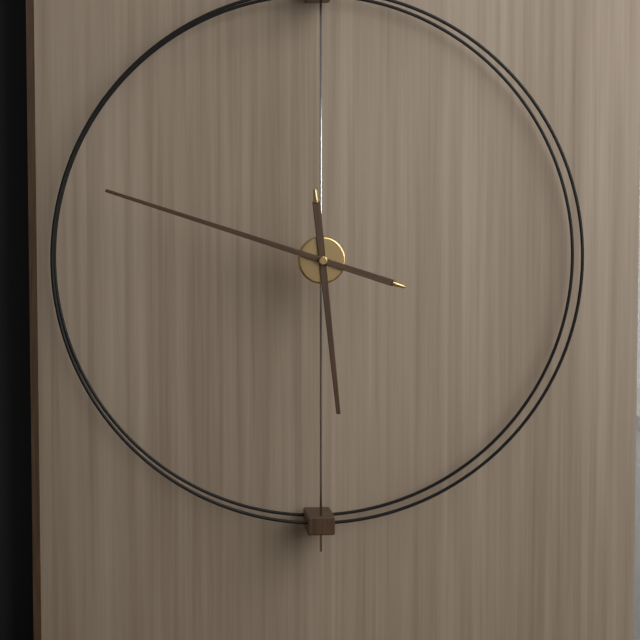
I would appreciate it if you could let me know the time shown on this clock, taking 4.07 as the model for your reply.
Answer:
5.48
